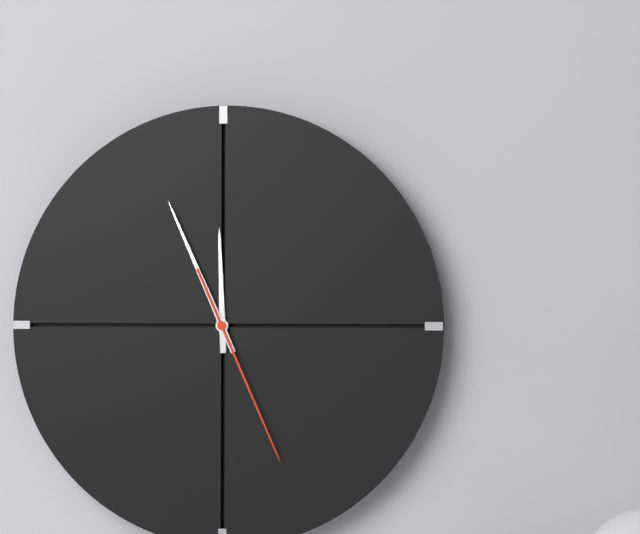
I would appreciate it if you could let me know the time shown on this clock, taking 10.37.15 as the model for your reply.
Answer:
11.56.26
